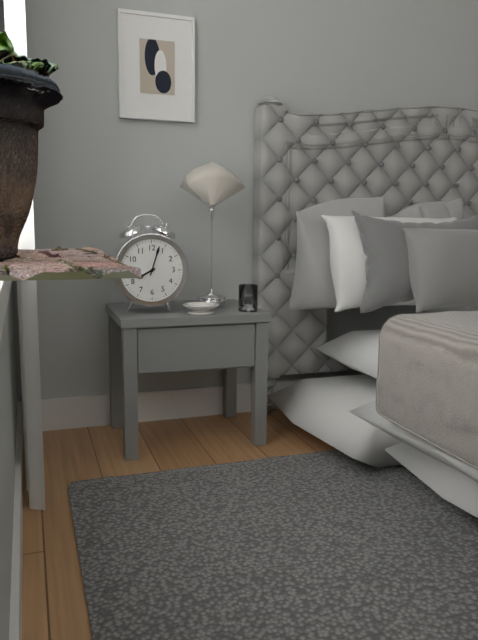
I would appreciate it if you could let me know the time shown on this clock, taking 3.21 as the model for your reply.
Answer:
8.03
